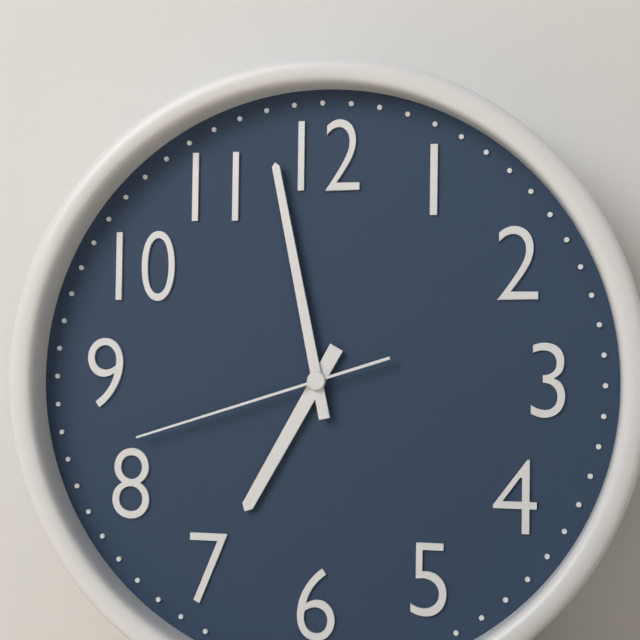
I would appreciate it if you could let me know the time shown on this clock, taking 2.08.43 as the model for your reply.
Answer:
6.58.42
